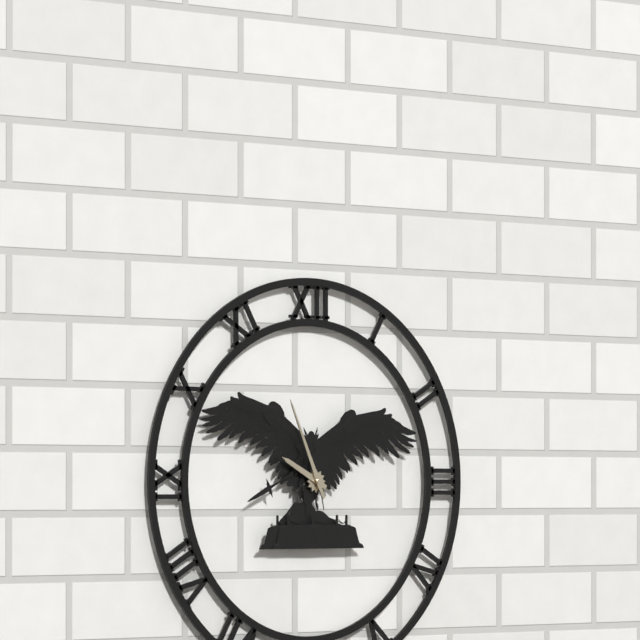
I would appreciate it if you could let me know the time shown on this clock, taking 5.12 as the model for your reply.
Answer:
9.56
